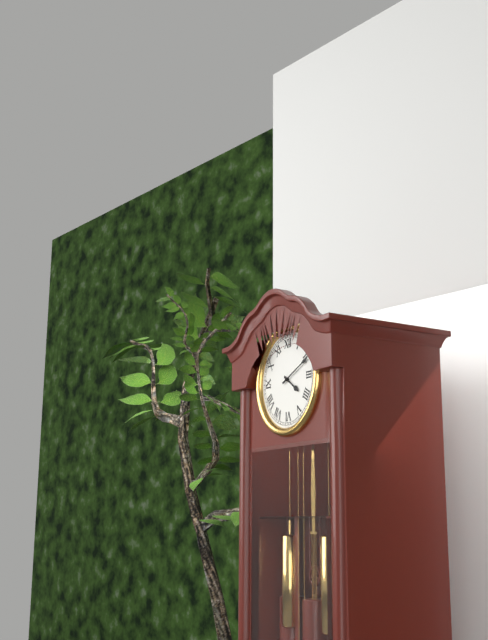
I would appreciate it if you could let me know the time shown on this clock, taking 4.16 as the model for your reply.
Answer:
4.11
